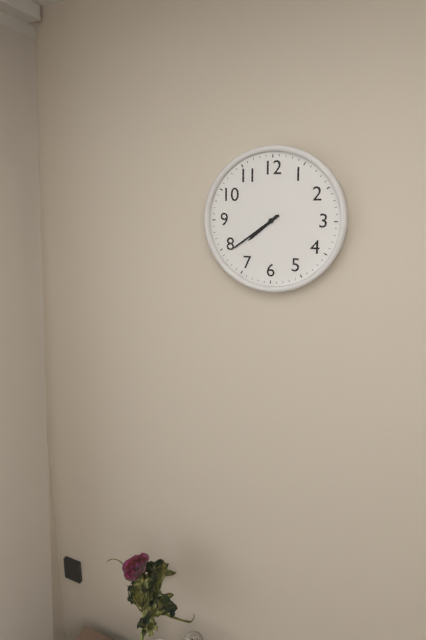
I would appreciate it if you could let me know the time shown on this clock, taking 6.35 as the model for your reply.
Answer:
7.39
